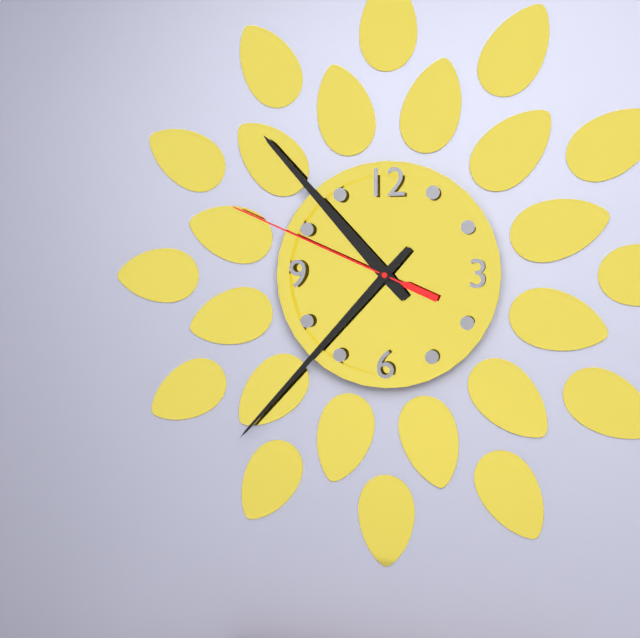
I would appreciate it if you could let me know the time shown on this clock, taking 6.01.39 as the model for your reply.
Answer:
10.37.49
